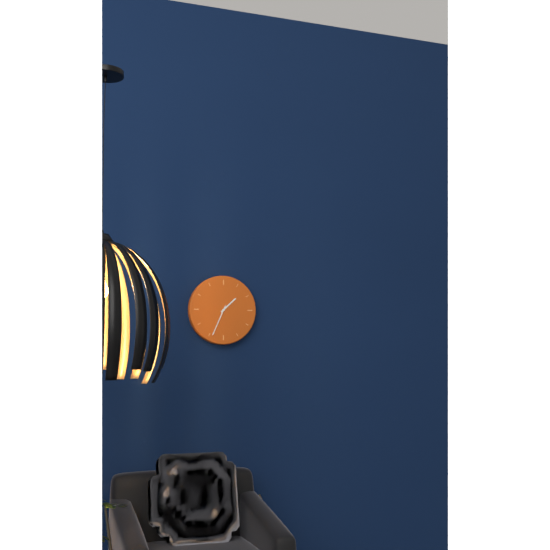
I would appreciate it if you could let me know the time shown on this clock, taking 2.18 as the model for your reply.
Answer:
1.34
